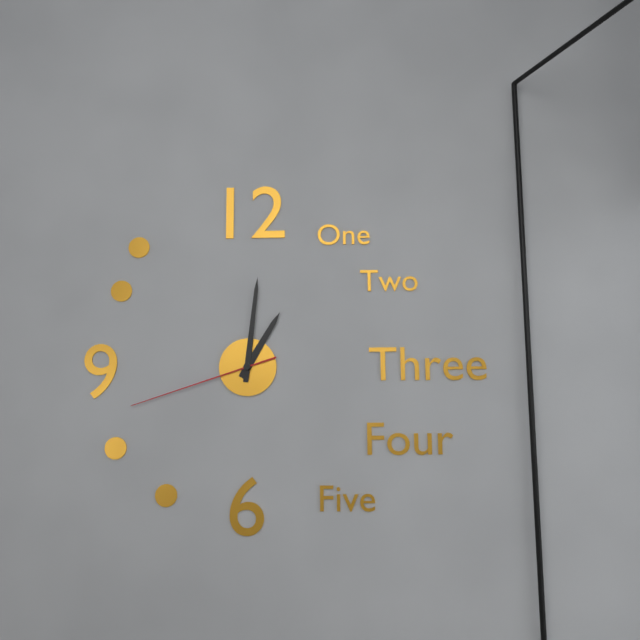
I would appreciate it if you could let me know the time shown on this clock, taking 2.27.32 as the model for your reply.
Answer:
1.01.42
